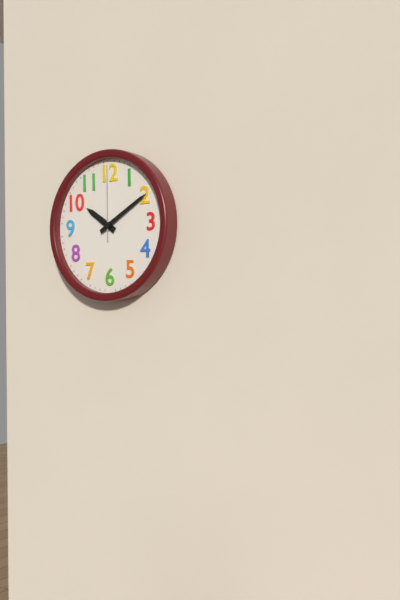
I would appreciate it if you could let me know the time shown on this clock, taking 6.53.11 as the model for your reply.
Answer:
10.10.00
